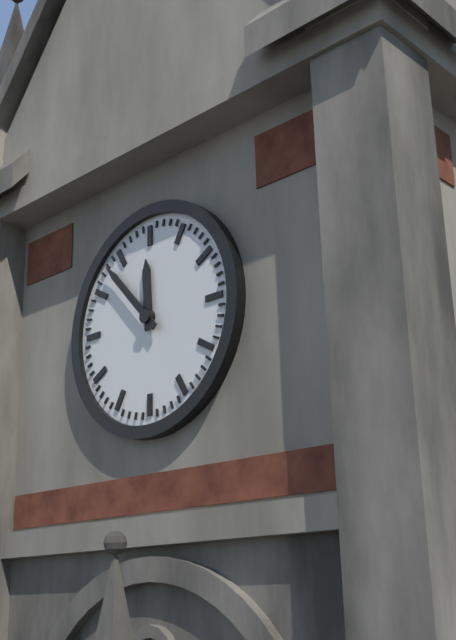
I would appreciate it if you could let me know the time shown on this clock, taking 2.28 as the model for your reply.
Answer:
11.53
